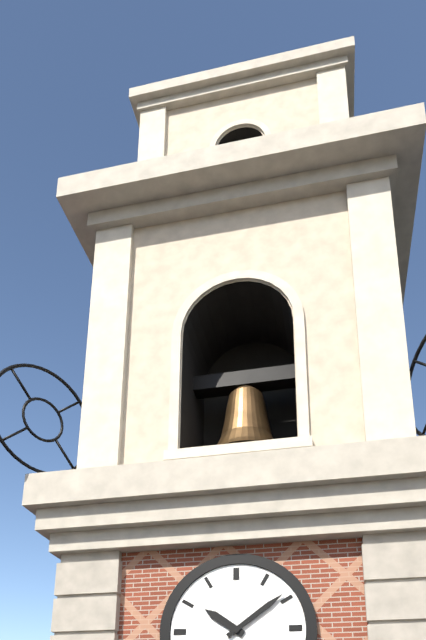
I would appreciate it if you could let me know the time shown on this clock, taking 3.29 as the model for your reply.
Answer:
10.09
